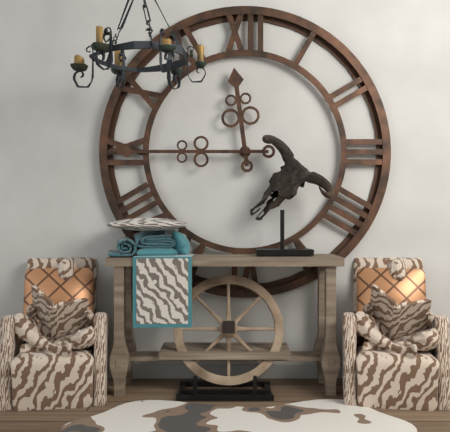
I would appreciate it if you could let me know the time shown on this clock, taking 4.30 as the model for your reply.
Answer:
11.45
